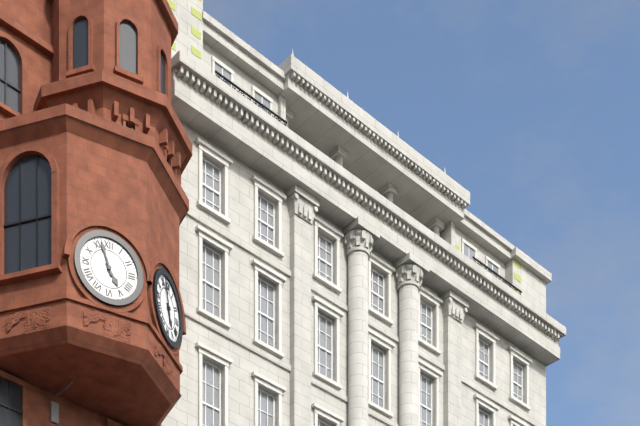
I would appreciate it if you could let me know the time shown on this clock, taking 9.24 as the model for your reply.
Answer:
4.57
